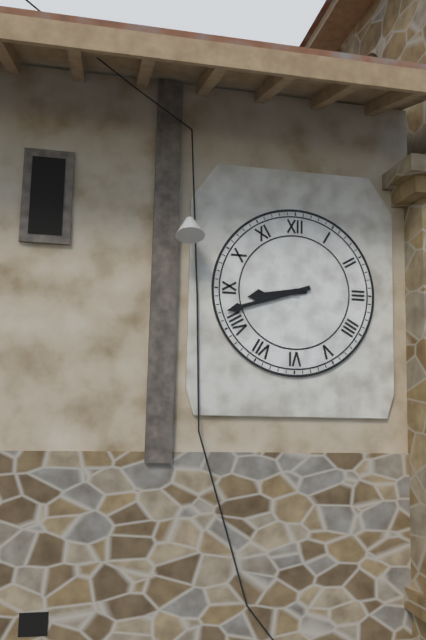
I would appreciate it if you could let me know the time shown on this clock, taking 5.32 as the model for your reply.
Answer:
8.42
